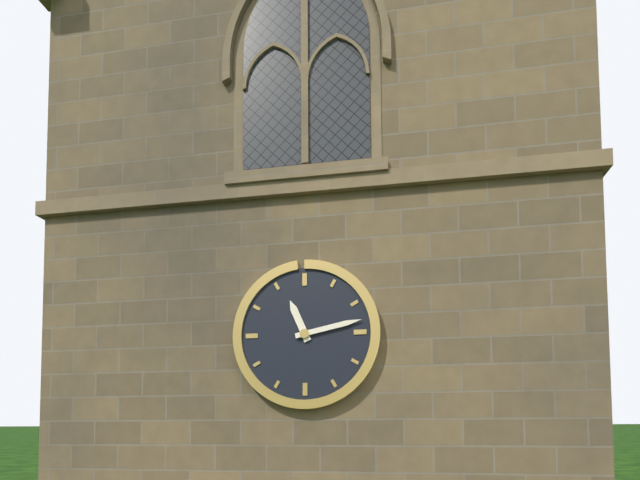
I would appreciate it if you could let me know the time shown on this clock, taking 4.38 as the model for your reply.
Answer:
11.13
